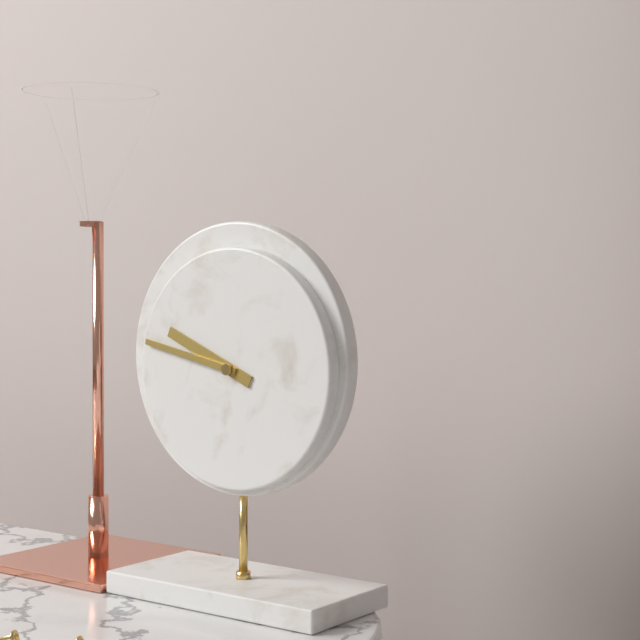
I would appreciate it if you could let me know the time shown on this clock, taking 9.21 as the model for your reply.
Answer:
9.47
